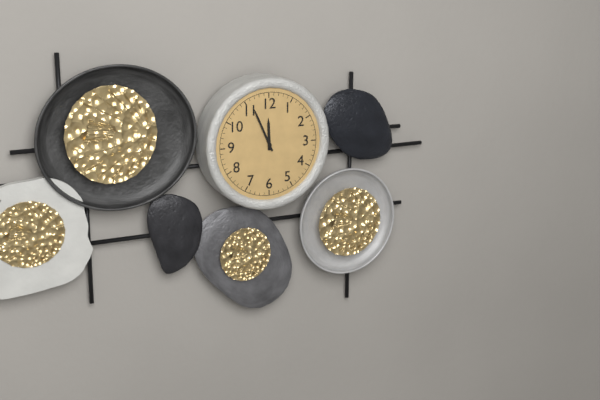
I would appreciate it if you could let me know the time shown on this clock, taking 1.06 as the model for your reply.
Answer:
11.56
